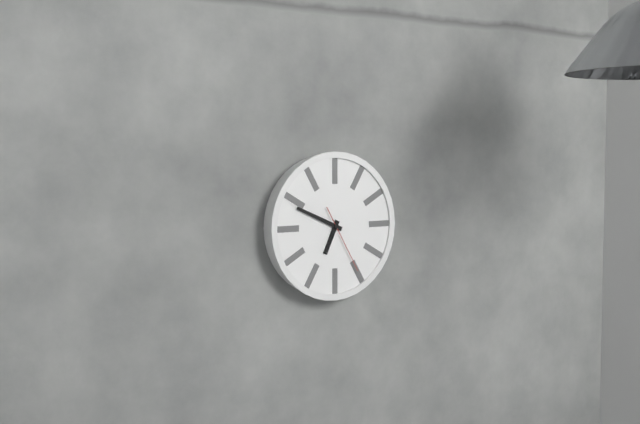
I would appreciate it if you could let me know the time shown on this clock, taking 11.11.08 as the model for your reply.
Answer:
6.49.25
